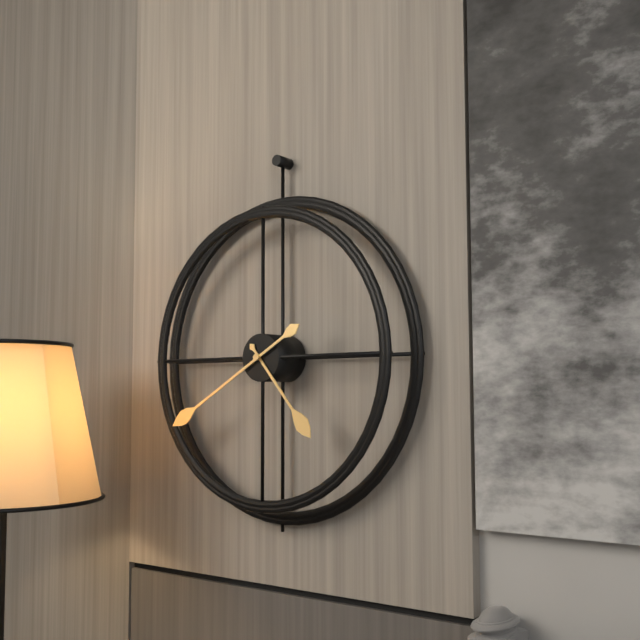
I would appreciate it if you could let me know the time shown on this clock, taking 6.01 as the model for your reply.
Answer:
4.40
